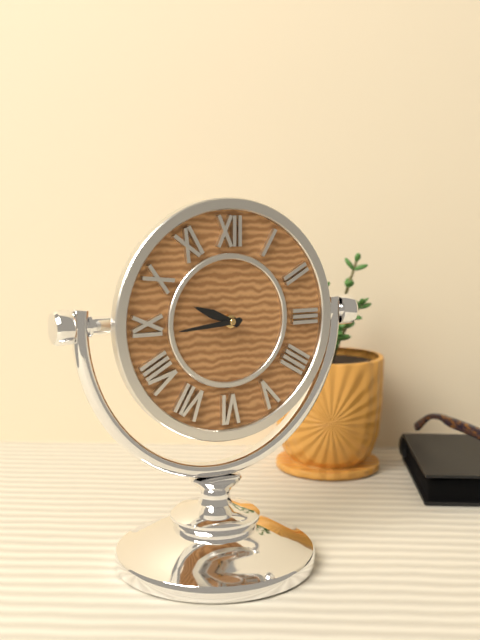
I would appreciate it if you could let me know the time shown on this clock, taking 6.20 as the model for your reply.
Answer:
9.44
